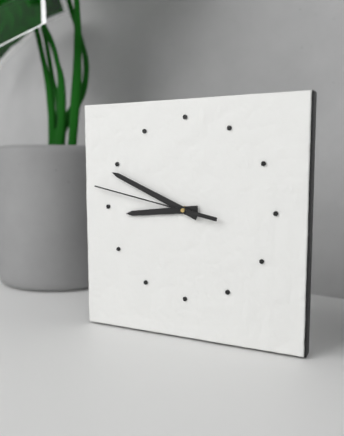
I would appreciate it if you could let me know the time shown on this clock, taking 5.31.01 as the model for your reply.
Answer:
8.49.47
